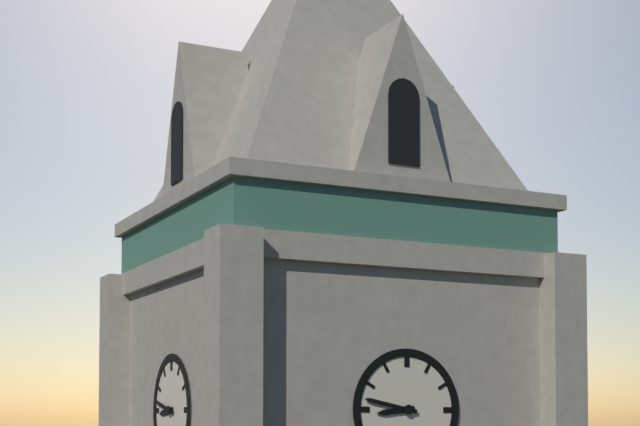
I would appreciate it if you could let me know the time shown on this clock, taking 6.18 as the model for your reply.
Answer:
8.47
